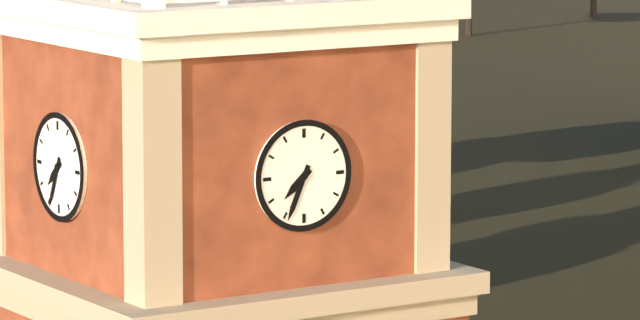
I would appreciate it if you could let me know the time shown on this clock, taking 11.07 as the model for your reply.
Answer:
7.34
